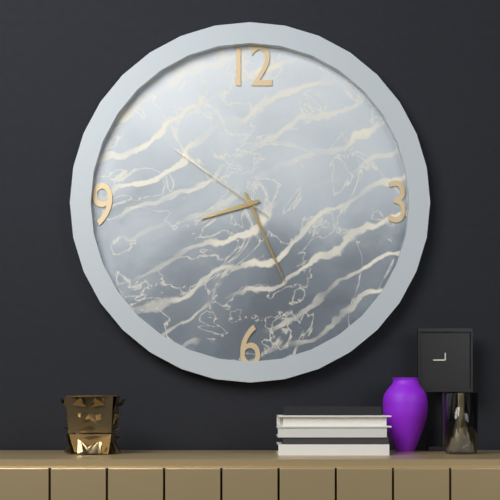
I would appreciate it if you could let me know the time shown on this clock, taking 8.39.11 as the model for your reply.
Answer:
8.26.51
